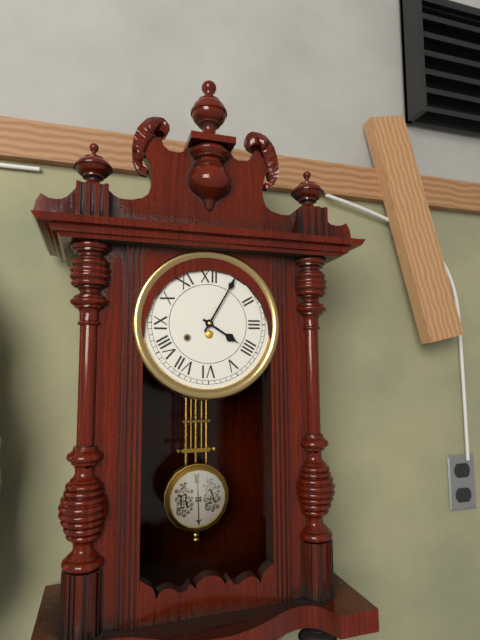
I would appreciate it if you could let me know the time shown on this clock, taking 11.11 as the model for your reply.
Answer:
4.05
